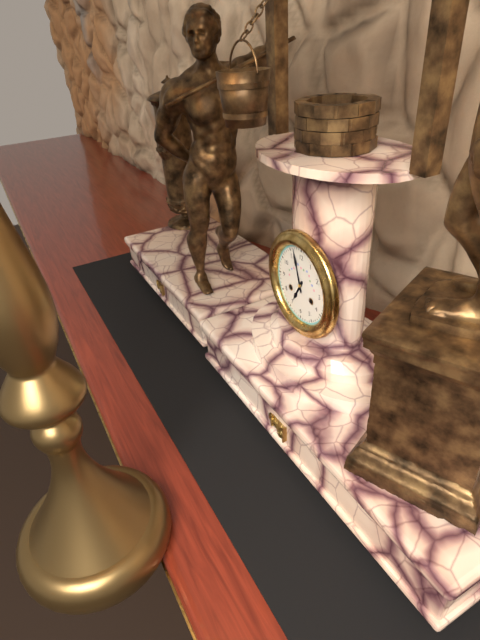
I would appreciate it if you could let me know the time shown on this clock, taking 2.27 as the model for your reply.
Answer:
6.57
